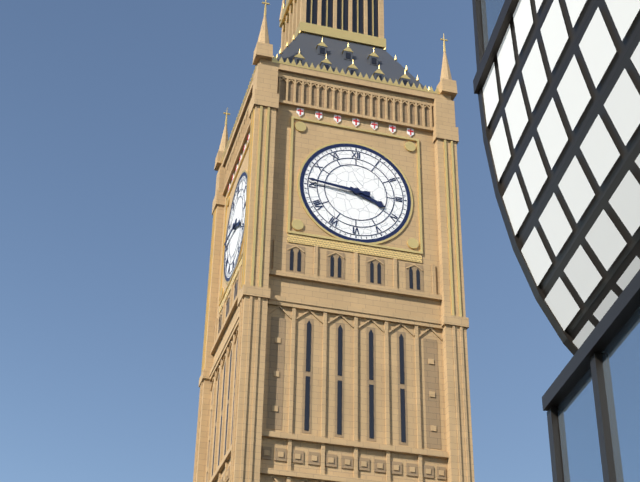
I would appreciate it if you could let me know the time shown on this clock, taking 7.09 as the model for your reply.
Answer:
3.46
